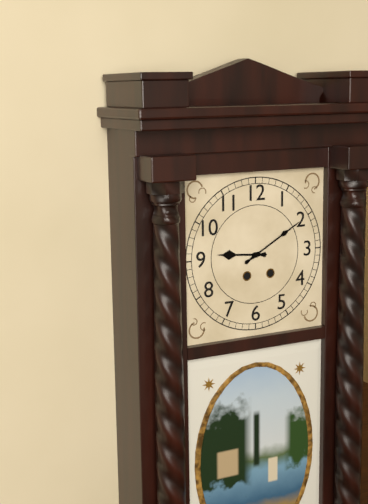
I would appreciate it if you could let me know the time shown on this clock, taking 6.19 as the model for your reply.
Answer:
9.10
